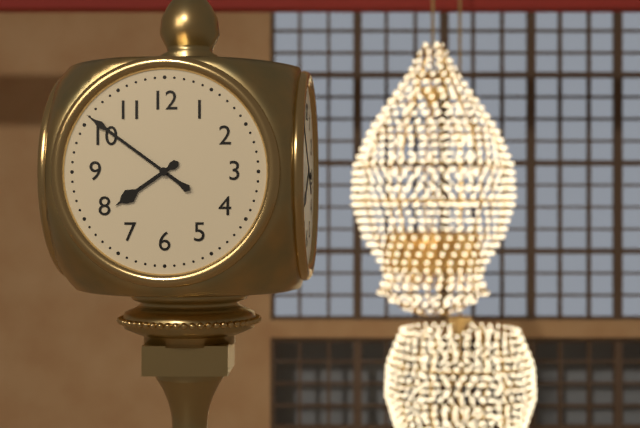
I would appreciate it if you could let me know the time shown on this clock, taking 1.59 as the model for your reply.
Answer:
7.51
